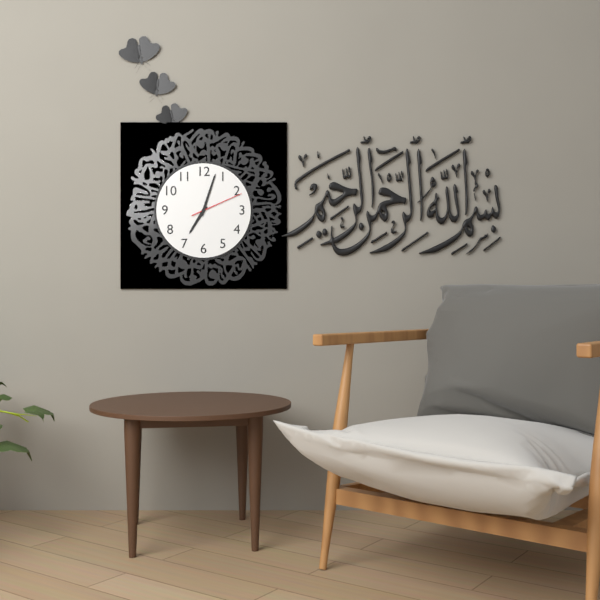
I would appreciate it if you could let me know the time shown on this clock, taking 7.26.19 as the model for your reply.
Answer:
7.03.11
